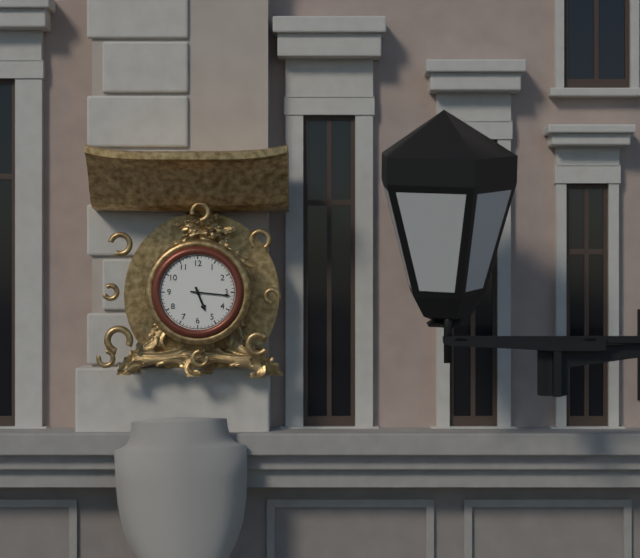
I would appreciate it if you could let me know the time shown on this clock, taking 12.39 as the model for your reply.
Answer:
5.16
